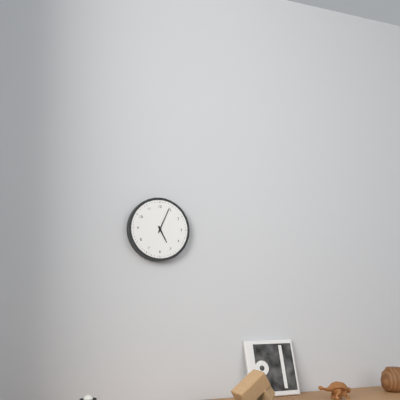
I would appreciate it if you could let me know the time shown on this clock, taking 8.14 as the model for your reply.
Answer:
5.04
